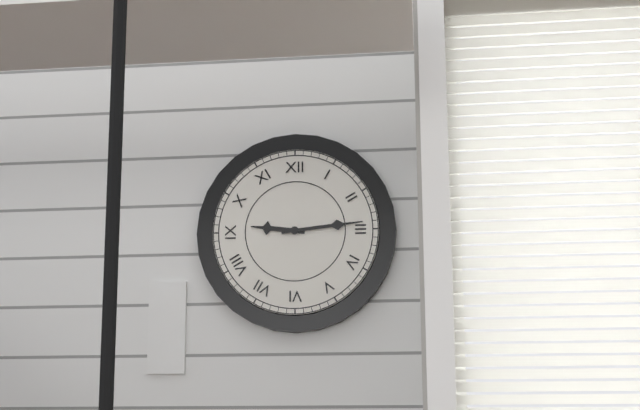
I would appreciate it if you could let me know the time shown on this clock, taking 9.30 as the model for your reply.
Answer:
9.14
